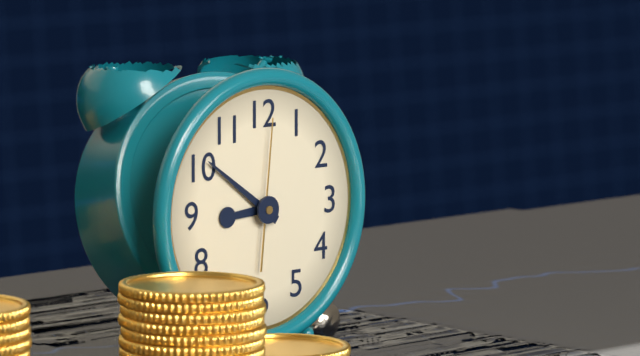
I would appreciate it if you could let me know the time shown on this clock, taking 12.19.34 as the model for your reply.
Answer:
8.51.01
